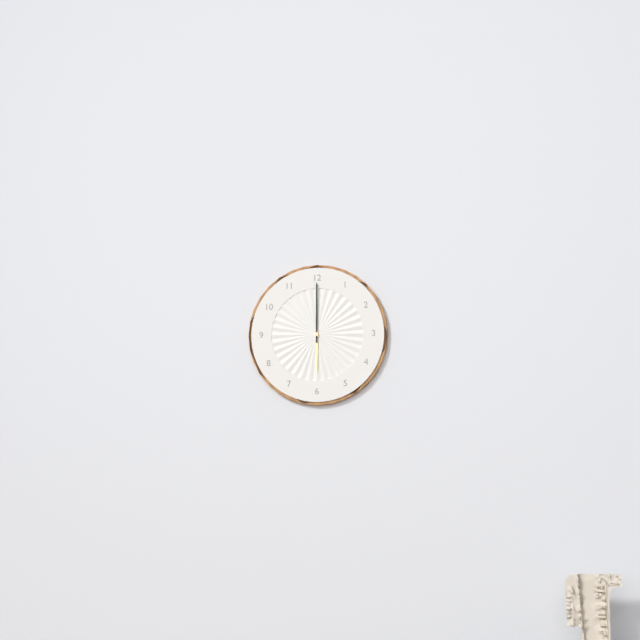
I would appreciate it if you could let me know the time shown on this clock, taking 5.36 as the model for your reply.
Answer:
6.00
